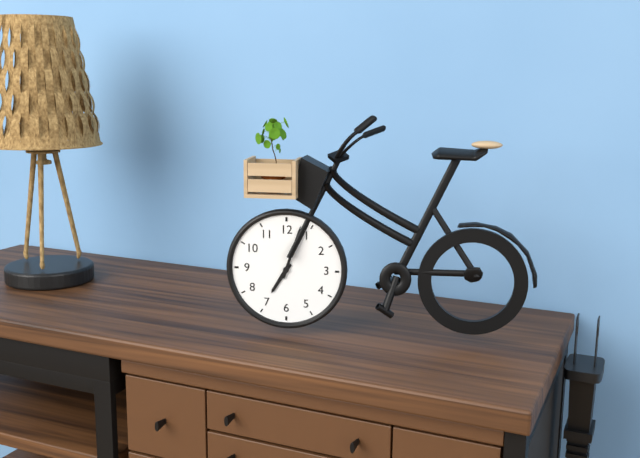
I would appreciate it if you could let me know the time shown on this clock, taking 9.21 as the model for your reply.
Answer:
7.03
